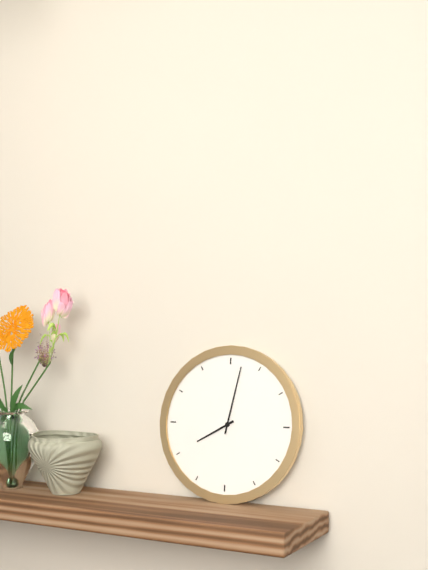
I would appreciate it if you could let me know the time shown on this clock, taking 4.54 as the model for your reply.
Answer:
8.02
